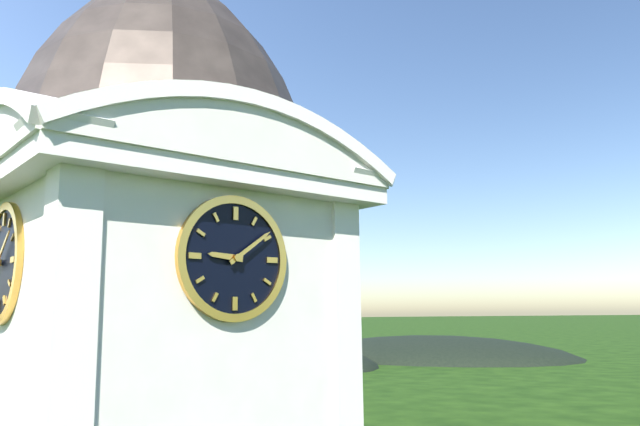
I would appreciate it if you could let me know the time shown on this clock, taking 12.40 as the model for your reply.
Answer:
9.09
